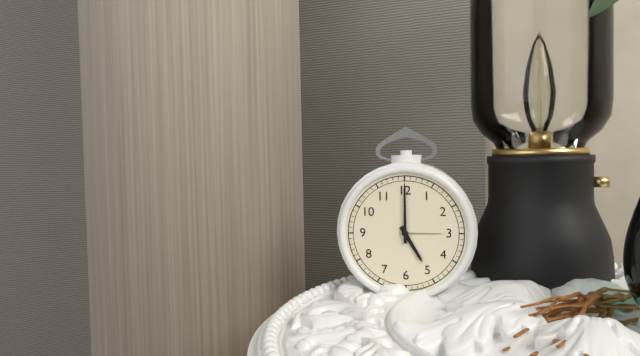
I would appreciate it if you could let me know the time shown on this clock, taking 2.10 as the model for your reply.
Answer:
5.00
